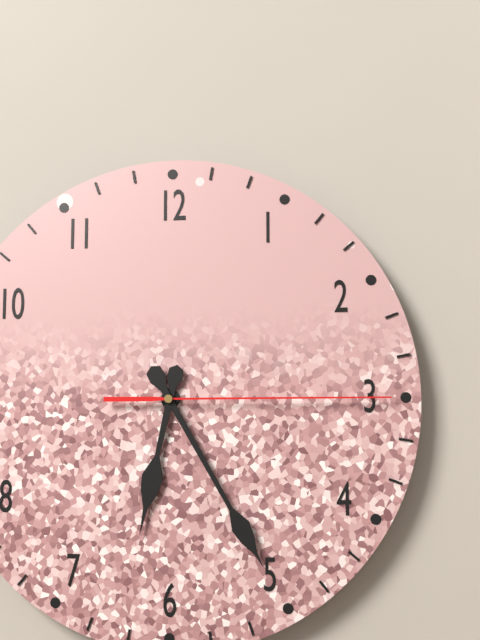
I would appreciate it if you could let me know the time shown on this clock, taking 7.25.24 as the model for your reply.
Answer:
6.25.15
